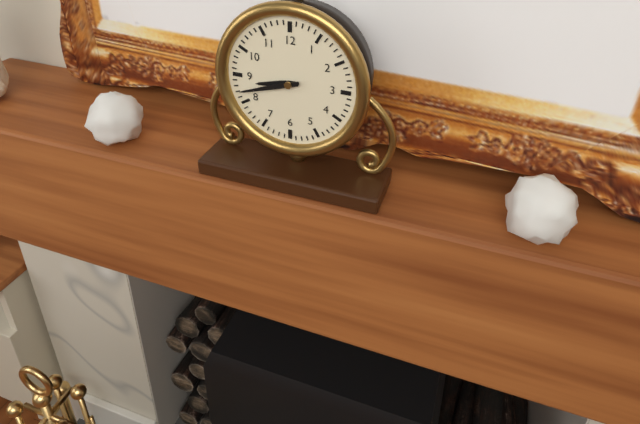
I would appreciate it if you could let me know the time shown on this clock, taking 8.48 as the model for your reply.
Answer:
8.42
